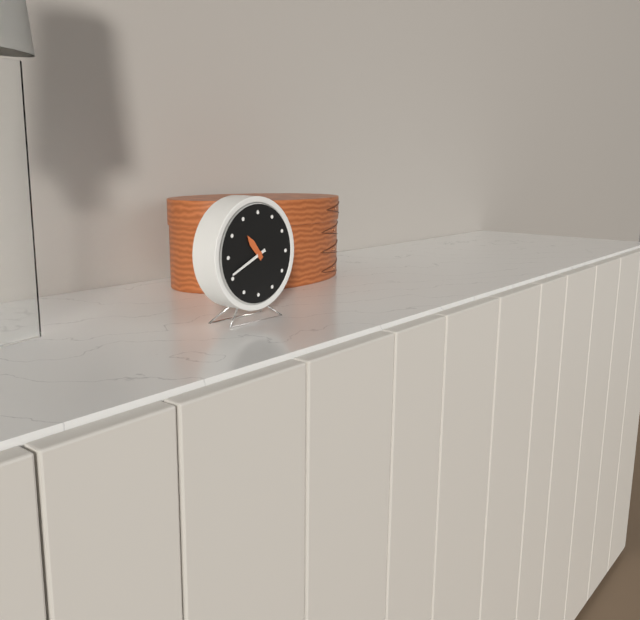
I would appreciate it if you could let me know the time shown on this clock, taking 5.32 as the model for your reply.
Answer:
10.41
